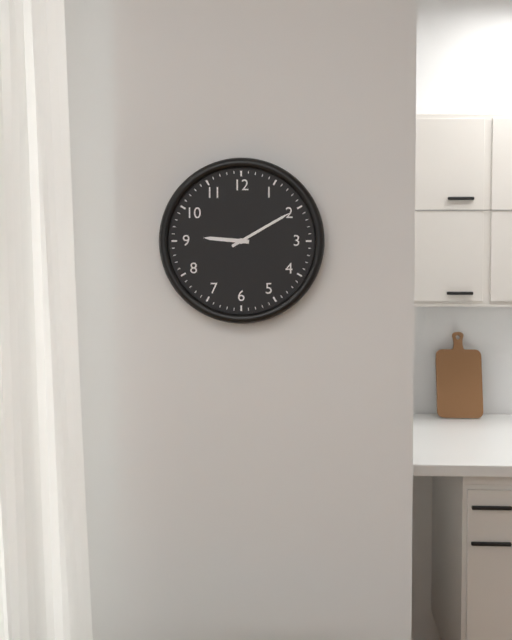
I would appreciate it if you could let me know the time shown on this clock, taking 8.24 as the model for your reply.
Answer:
9.10
